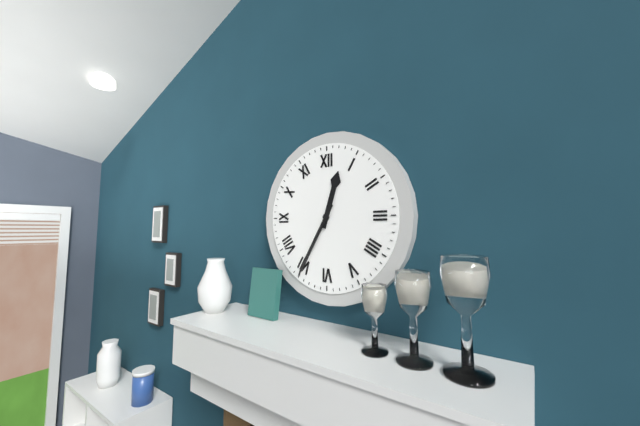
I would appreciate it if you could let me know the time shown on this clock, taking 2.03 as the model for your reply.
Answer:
12.35
